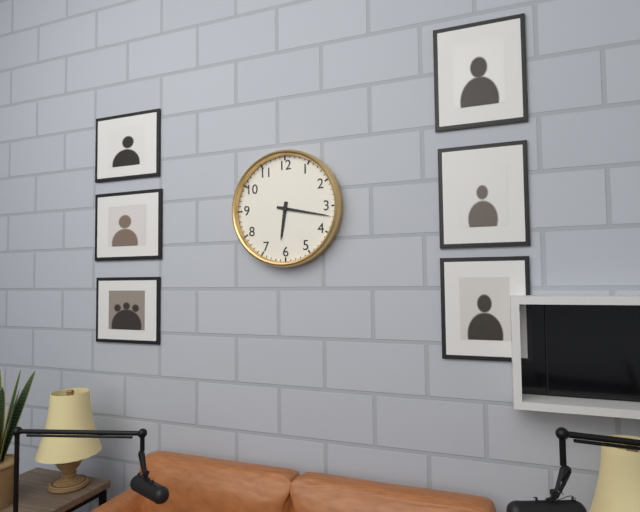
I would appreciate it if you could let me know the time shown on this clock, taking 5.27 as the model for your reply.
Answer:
6.17
